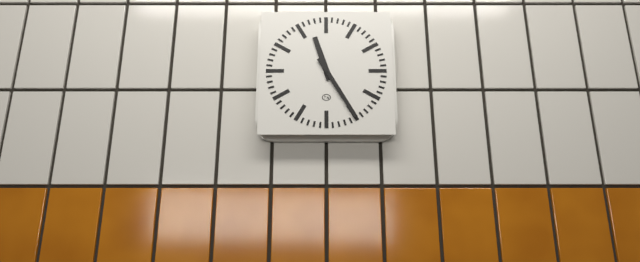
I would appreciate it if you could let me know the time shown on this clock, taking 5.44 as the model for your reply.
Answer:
11.25
